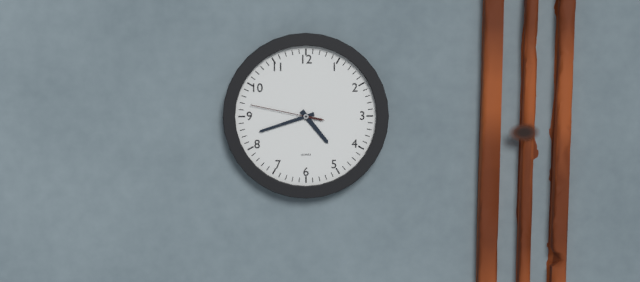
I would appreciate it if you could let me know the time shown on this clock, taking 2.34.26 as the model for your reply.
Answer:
4.42.47
